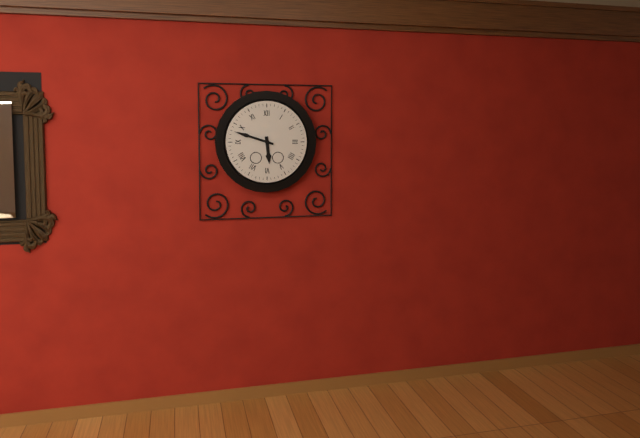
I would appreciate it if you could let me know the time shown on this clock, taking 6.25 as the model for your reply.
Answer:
5.48
